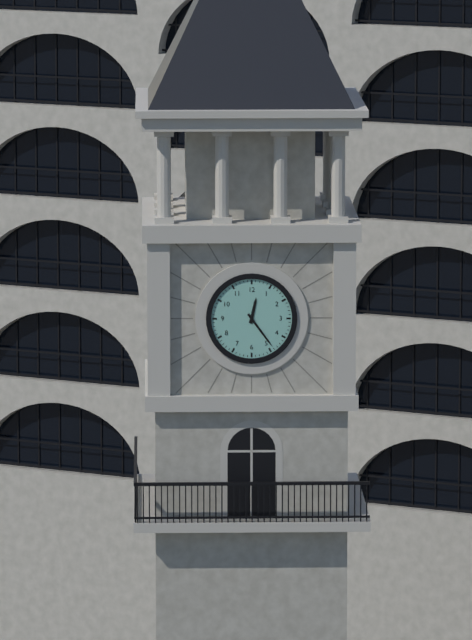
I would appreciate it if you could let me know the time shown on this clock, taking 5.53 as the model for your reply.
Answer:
12.24
